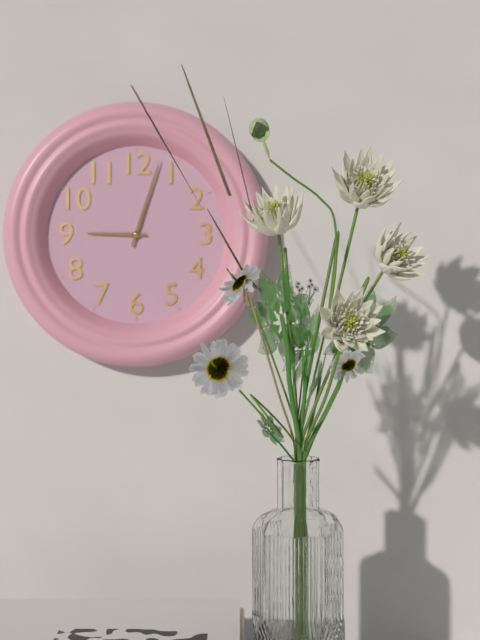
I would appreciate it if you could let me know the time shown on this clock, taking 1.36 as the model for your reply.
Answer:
9.03
